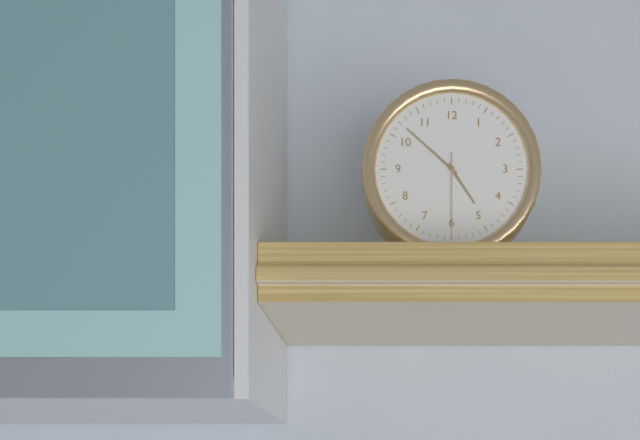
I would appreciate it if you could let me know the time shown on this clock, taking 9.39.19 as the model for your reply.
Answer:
4.52.30
